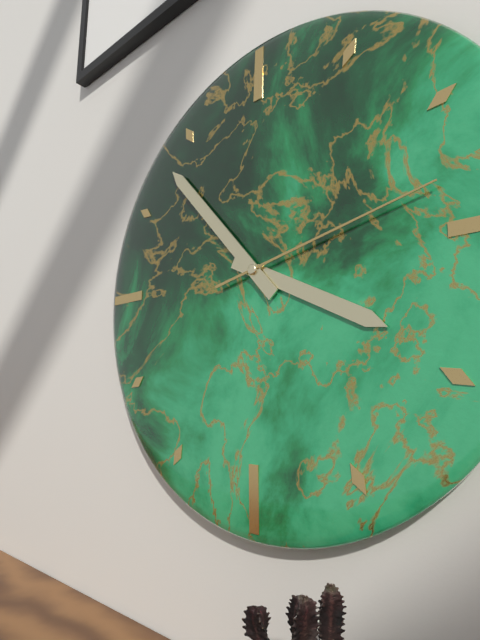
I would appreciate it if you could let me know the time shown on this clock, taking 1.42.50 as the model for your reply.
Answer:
3.53.13
